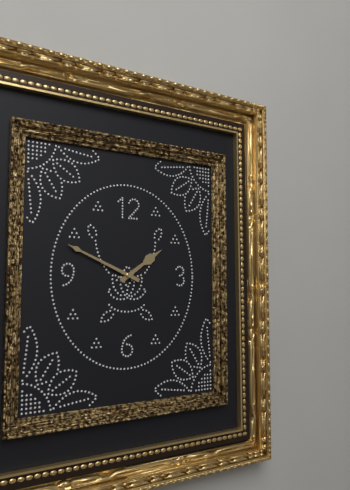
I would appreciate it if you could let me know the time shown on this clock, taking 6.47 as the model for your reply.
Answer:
1.49
